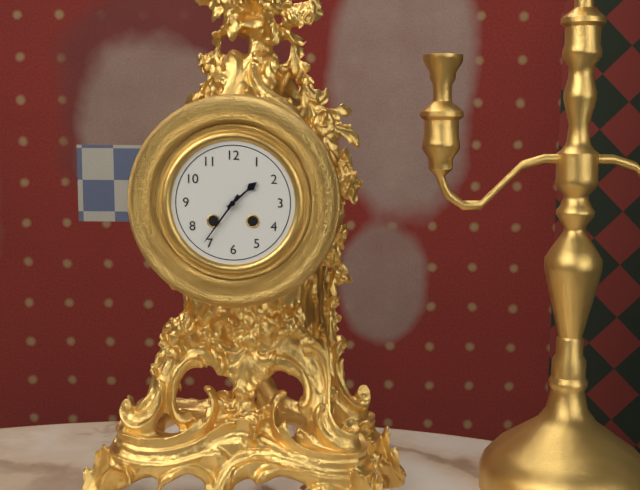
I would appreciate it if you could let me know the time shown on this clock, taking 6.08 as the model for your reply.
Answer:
1.36
